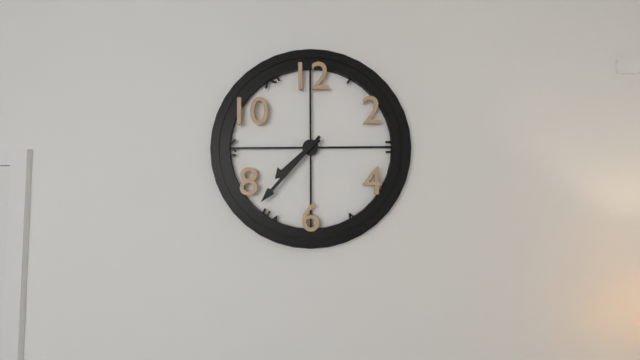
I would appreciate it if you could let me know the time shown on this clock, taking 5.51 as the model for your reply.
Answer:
7.37
